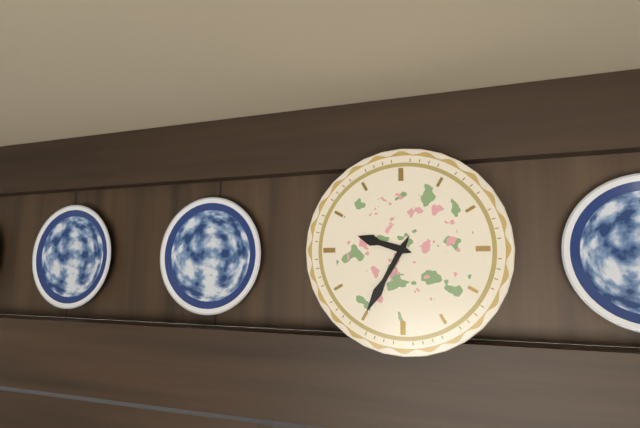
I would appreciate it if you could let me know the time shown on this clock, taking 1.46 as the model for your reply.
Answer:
9.35
